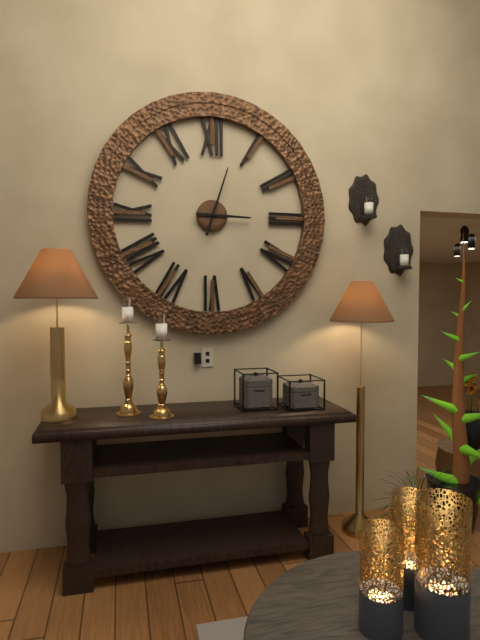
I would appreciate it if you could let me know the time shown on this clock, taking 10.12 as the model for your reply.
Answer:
3.03
